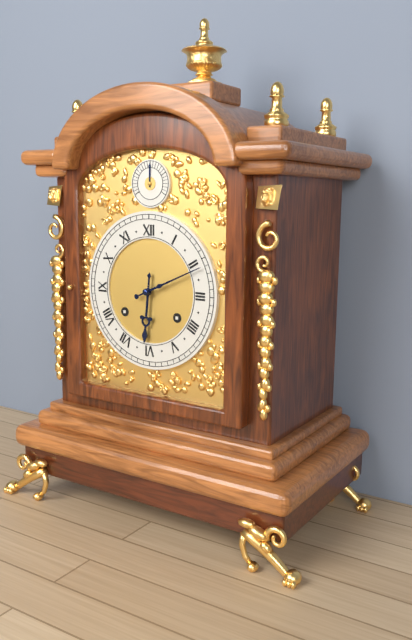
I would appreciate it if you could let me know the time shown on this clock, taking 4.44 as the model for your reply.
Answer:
6.11
